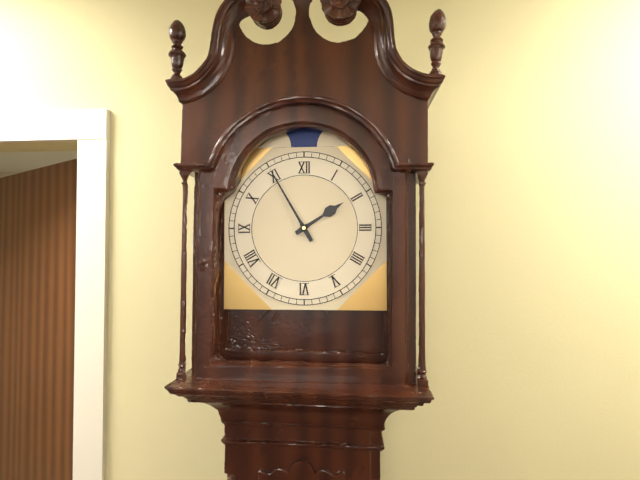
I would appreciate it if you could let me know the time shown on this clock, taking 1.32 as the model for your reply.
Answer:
1.55
